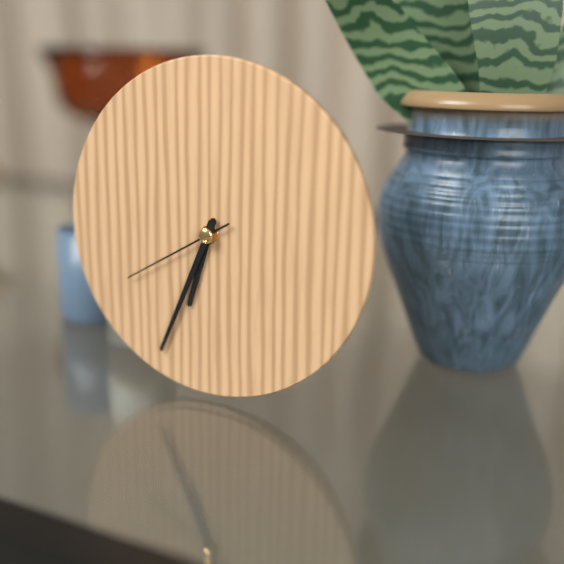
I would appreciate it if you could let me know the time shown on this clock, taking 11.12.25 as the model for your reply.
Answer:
6.34.40
